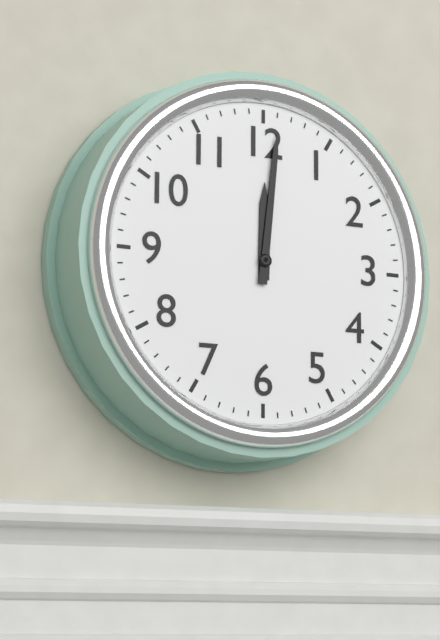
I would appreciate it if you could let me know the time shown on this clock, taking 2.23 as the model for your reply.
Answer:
12.01
